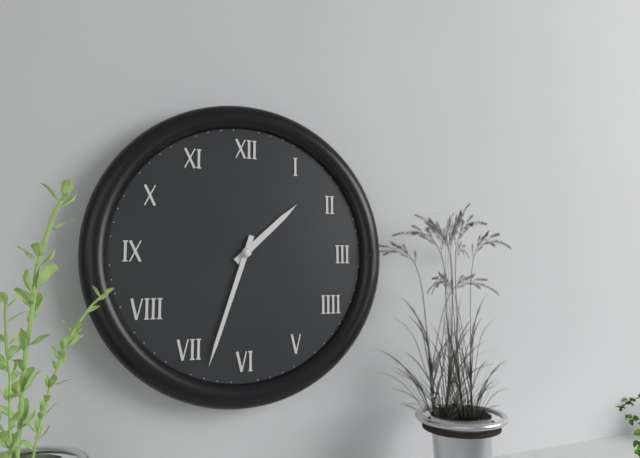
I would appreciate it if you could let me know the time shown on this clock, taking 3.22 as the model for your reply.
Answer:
1.33
